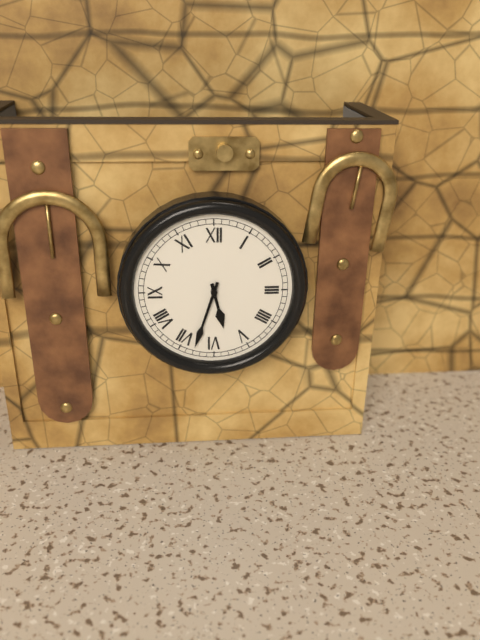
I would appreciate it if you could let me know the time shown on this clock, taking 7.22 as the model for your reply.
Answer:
5.33
